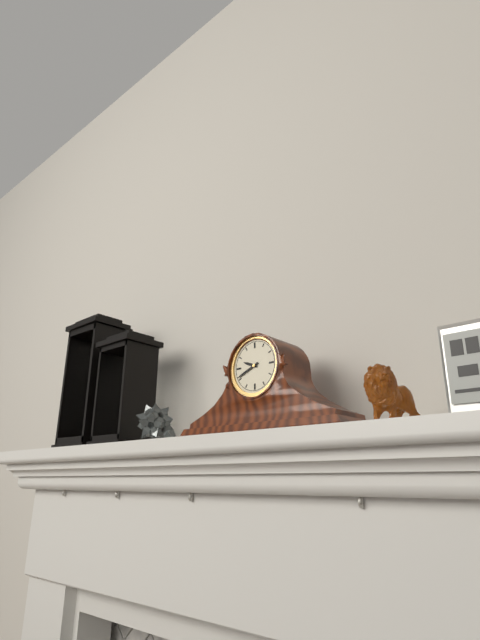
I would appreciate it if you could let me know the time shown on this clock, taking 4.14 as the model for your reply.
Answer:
9.41
